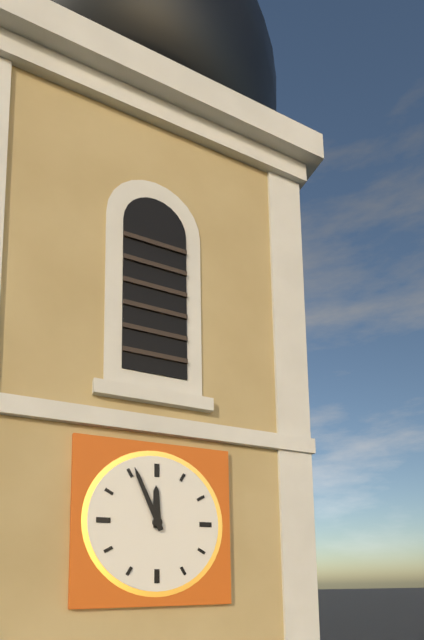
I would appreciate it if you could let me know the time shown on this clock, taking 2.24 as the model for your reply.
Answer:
11.56
